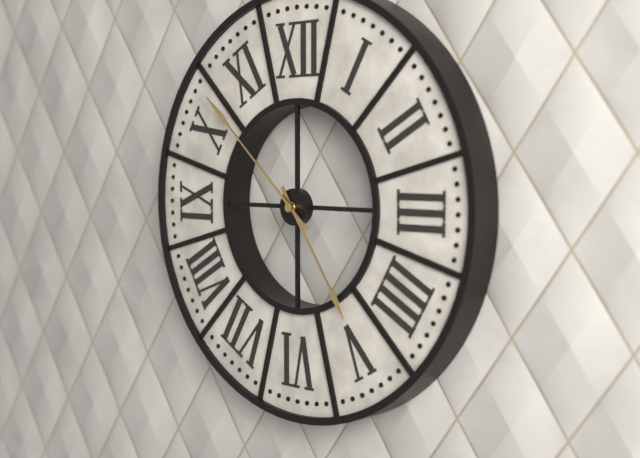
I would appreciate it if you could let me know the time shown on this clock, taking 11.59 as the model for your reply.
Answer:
4.52
